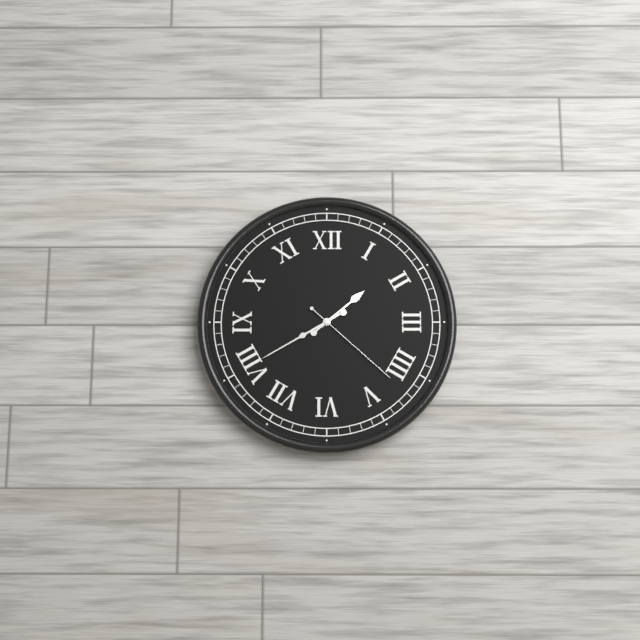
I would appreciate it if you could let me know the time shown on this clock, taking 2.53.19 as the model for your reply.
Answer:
1.40.22
